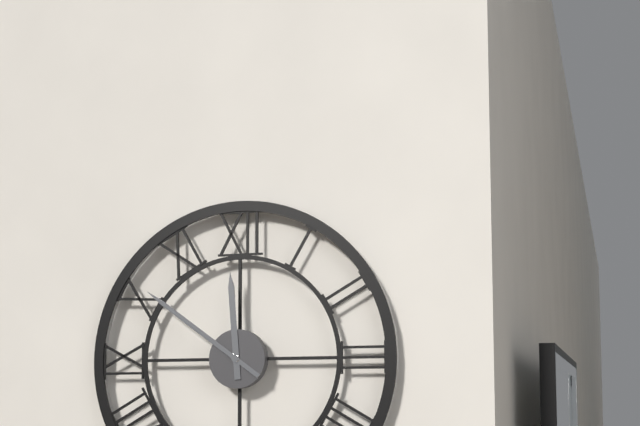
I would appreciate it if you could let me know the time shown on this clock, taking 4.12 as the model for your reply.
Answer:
11.51
